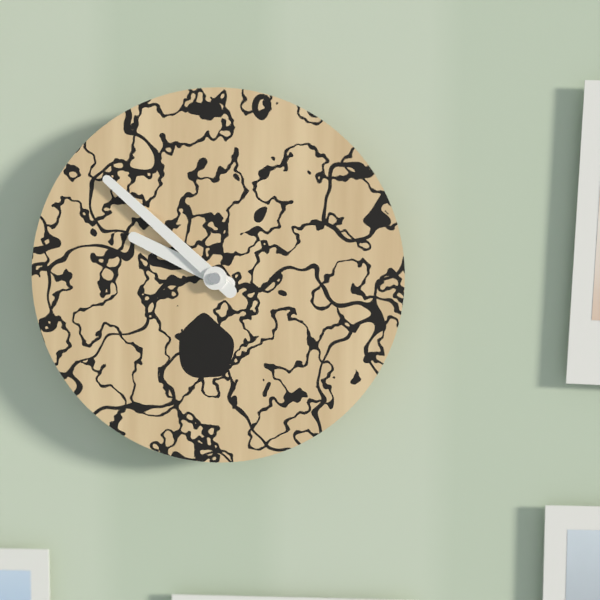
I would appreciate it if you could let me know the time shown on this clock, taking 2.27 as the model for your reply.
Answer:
9.52
